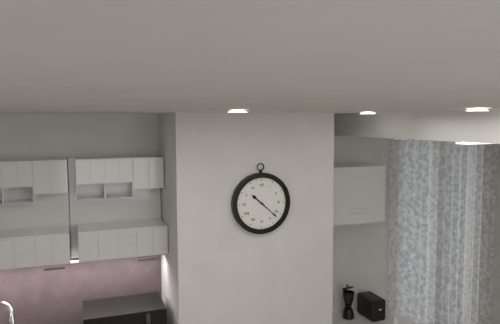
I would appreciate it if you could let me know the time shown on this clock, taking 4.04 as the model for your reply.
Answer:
10.22
